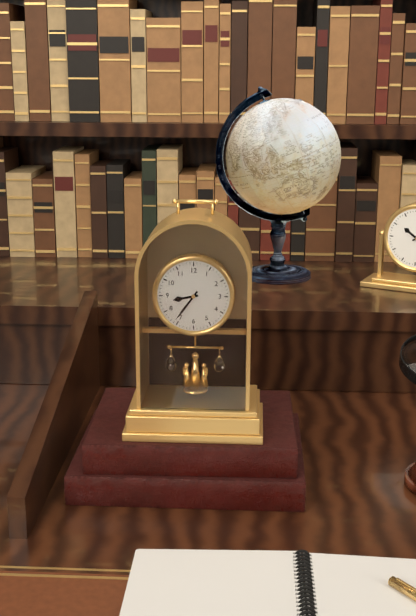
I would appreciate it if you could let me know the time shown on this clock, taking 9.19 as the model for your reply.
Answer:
8.36
